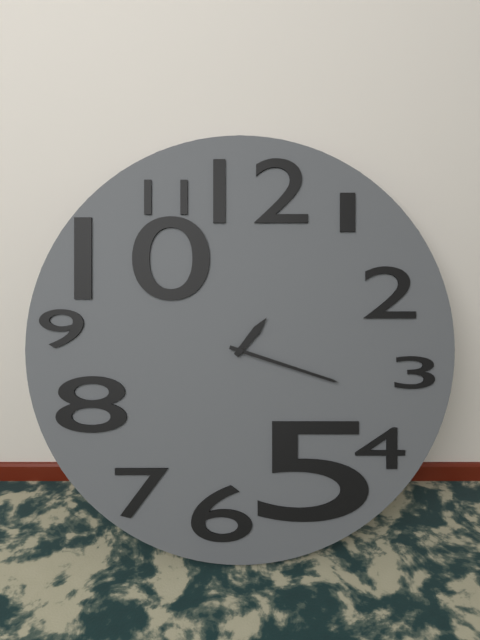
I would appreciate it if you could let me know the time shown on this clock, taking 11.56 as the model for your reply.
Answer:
1.18
